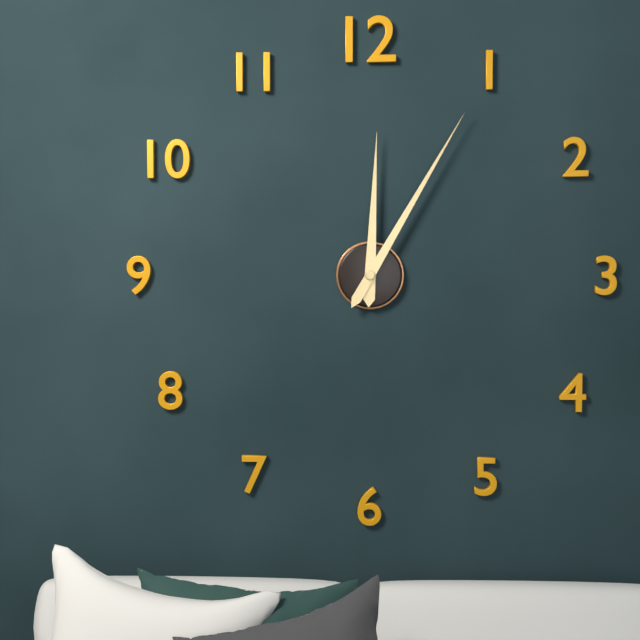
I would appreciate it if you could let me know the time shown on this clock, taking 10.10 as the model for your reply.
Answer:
12.05
